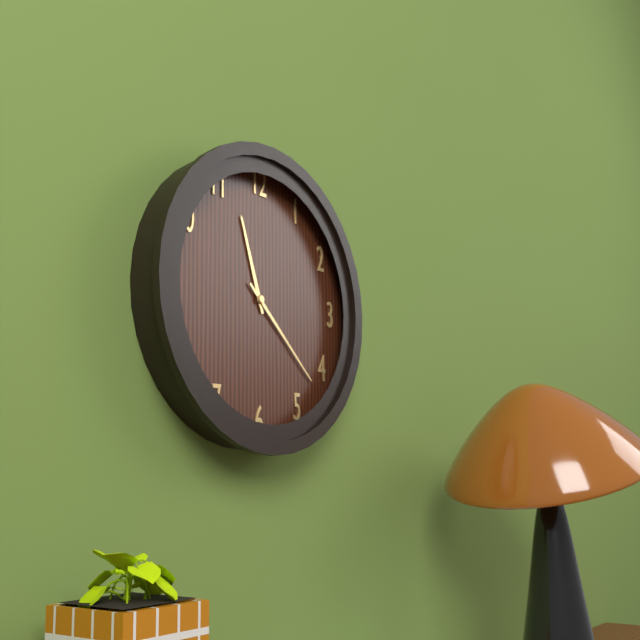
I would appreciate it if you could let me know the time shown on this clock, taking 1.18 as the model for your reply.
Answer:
11.22
